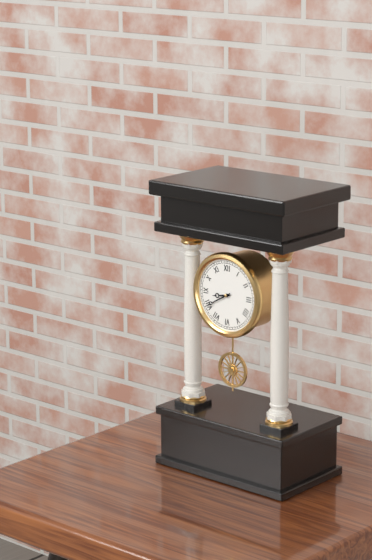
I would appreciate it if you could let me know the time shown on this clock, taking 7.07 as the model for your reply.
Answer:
8.40
